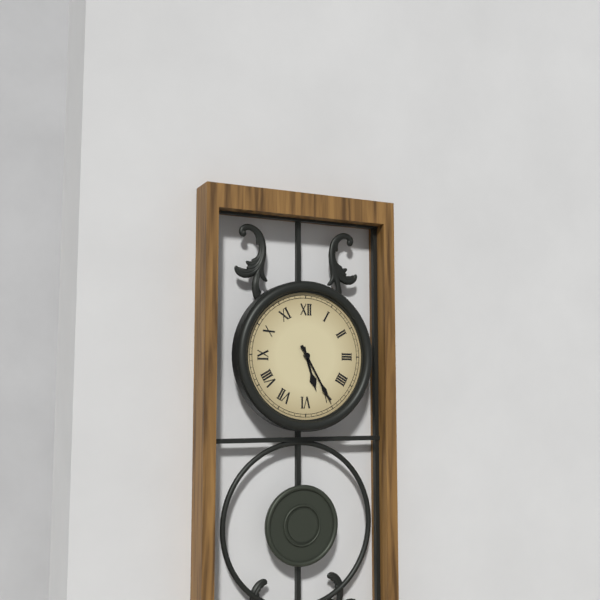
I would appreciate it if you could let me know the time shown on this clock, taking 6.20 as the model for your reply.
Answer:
5.25
